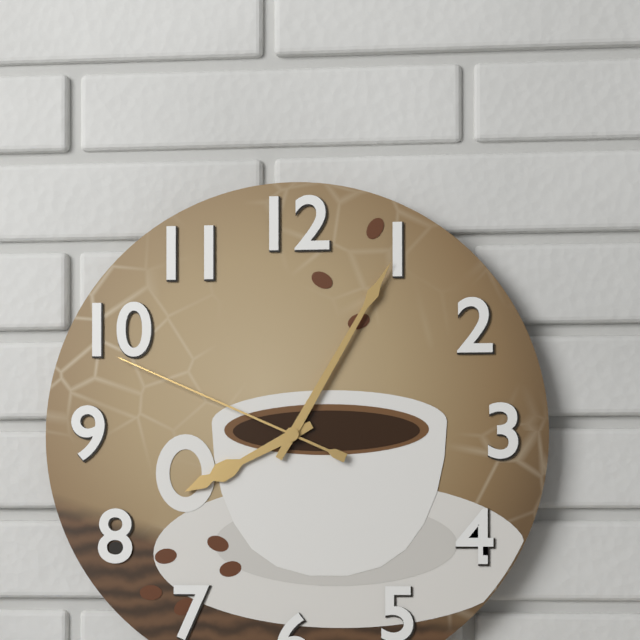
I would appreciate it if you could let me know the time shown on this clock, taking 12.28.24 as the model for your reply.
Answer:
8.05.49
